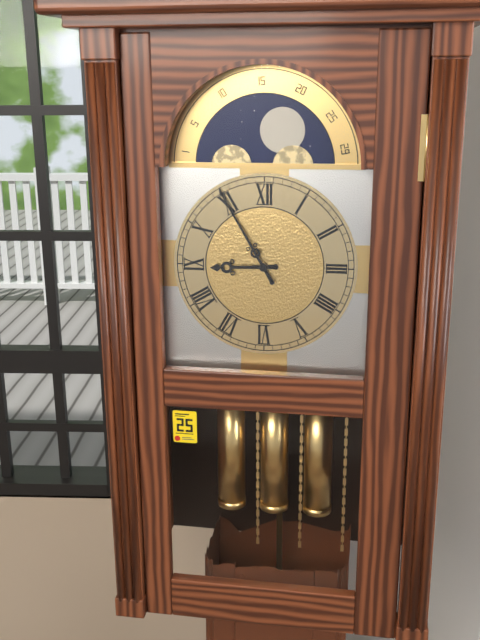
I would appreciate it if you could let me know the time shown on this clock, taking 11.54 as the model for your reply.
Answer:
8.55
